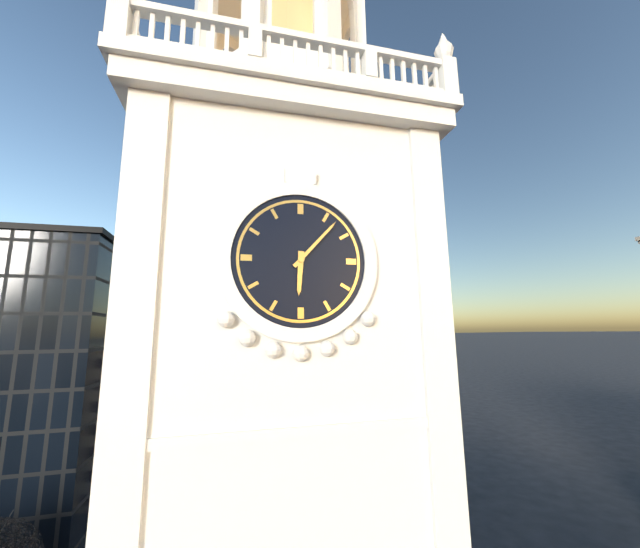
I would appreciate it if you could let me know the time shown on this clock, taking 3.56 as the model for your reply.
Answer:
6.07
